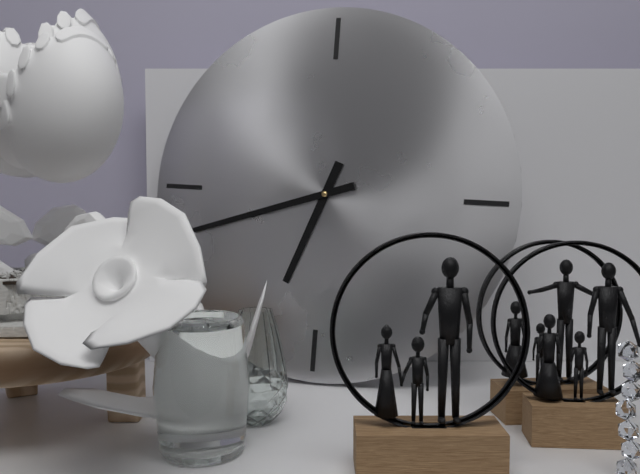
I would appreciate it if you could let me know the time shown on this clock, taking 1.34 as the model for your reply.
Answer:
6.42
